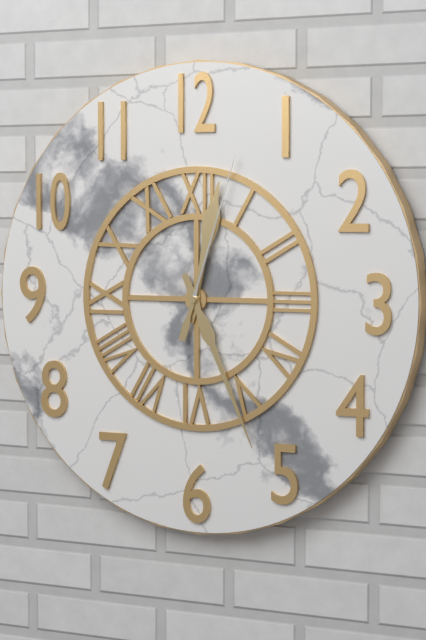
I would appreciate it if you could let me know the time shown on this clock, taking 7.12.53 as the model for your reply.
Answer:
12.26.03
